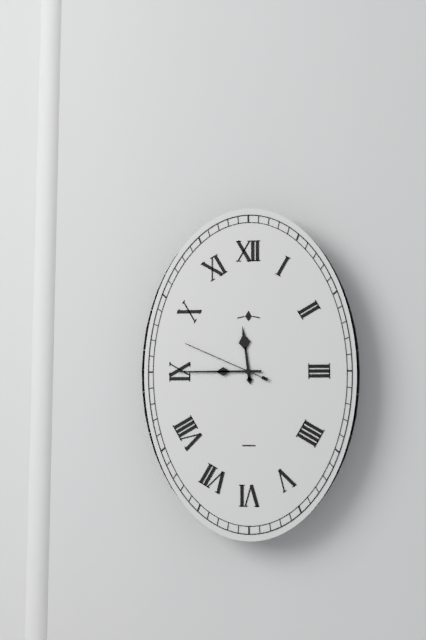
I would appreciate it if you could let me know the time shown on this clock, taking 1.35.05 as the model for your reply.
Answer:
11.45.49
